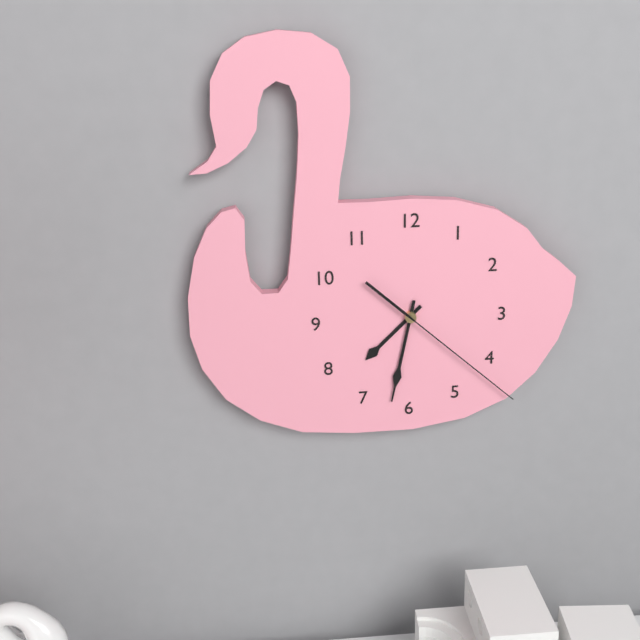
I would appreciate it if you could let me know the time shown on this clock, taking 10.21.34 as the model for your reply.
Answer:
7.32.22
